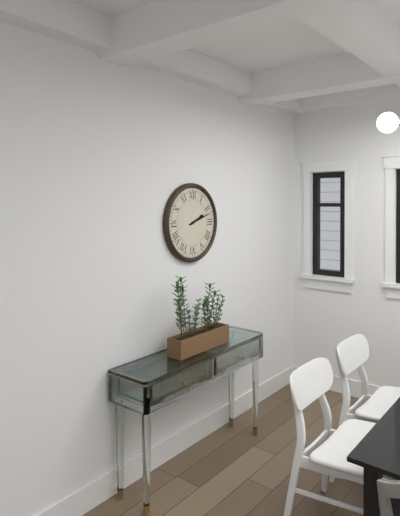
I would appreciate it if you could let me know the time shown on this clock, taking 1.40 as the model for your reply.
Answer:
2.12
